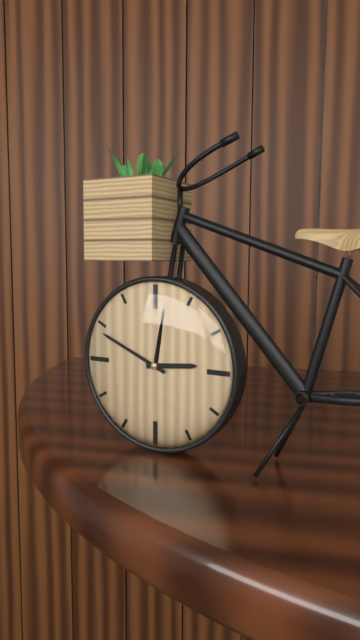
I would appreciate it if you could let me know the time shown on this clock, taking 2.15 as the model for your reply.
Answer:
2.49
